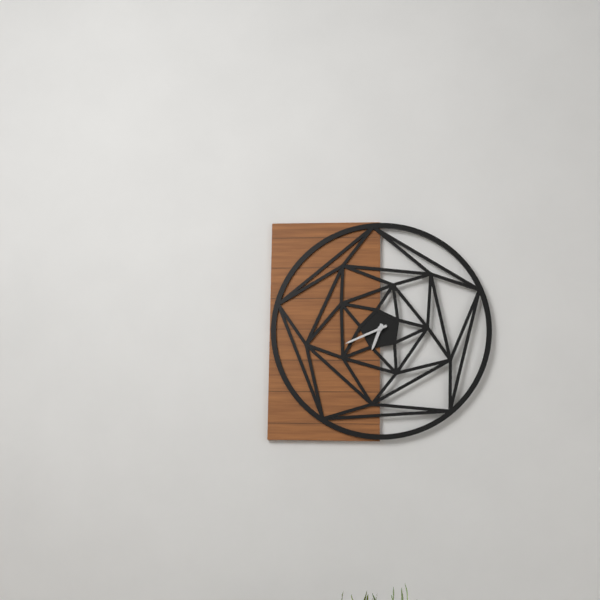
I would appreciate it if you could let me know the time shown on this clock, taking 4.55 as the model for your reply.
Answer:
6.41
